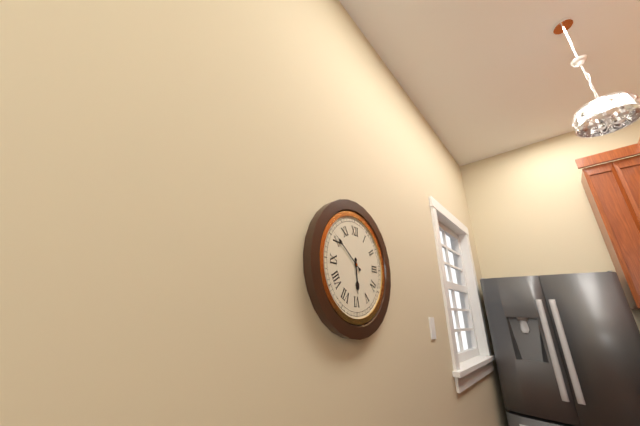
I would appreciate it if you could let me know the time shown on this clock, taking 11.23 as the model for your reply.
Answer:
5.51
